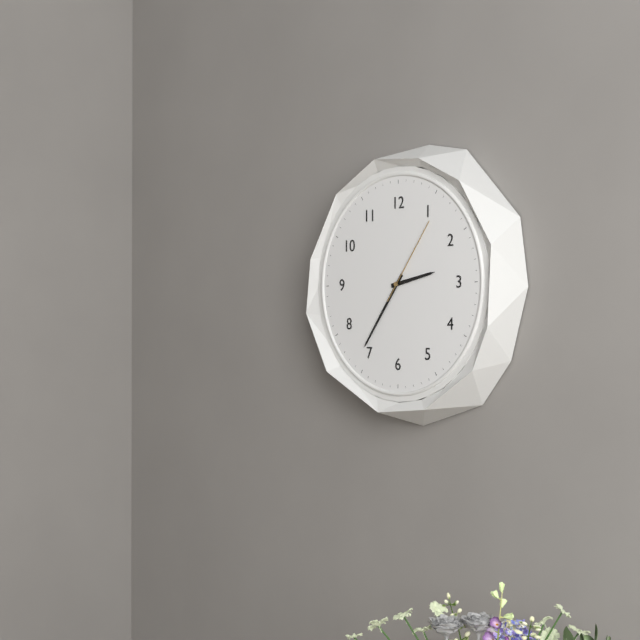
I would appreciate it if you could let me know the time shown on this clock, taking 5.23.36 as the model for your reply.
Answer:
2.36.06
